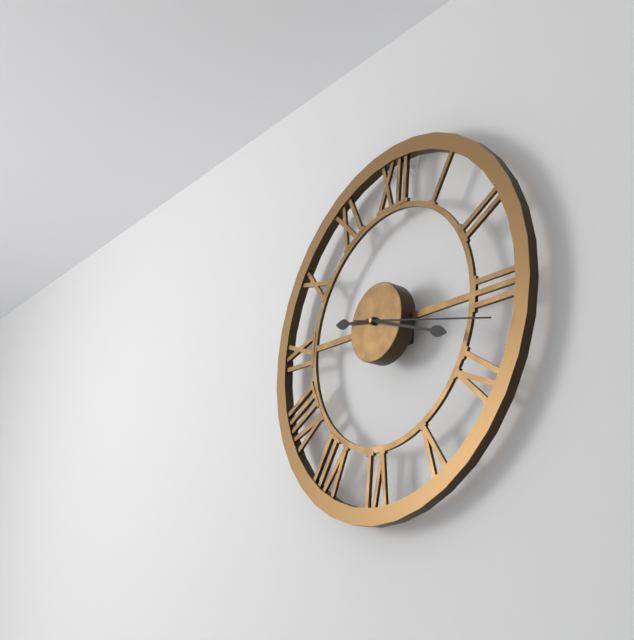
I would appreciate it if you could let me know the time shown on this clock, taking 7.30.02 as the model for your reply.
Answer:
9.18.17
